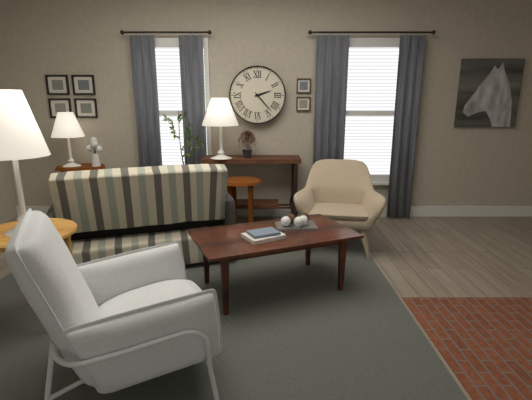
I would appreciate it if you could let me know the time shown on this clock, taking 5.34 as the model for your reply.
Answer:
2.23
